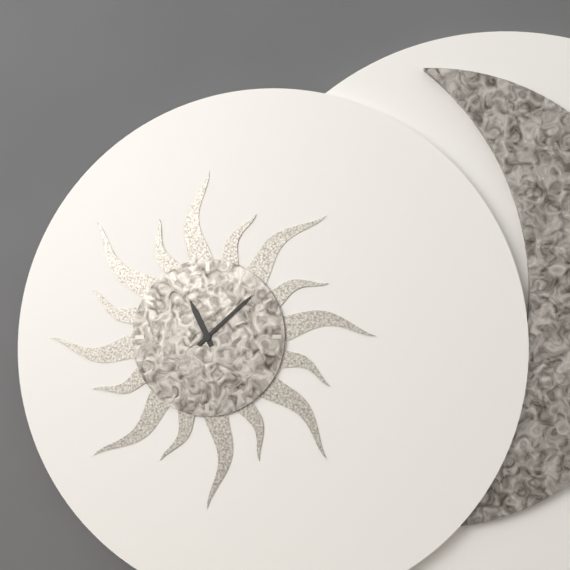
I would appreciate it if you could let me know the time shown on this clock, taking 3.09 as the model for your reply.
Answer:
11.08
